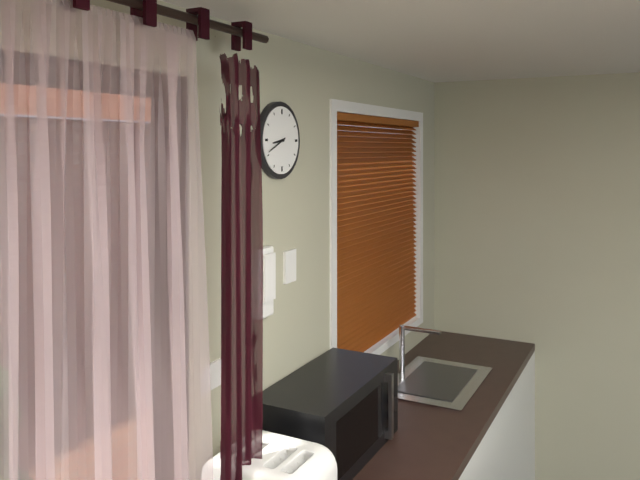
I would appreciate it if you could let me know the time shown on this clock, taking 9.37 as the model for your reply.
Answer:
8.41
